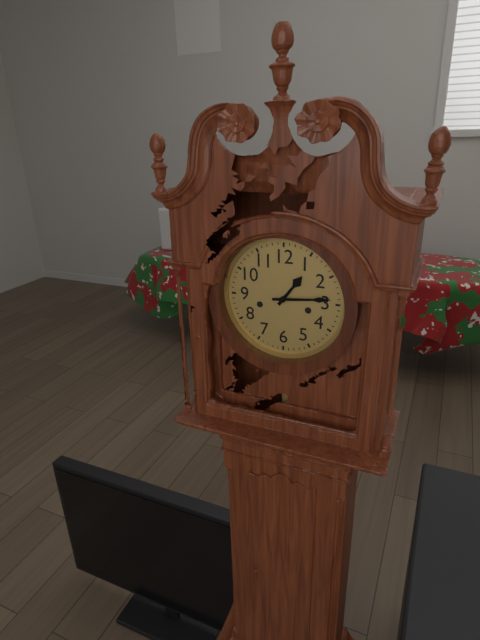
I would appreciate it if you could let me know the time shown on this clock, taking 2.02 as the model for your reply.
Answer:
1.14
